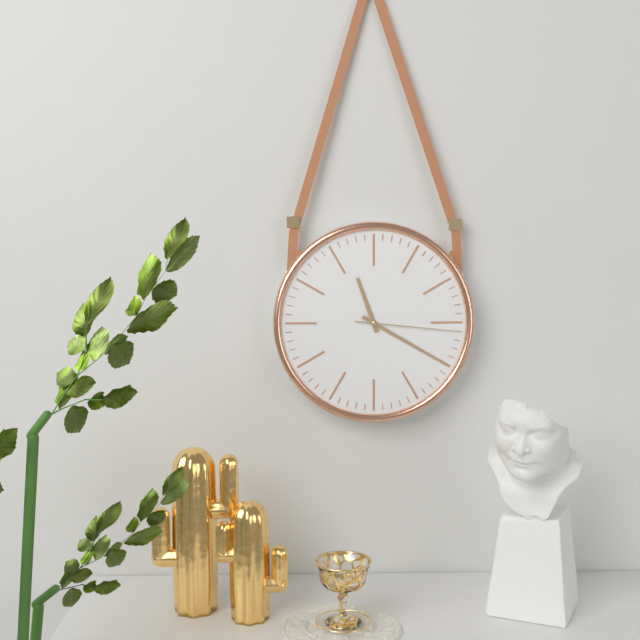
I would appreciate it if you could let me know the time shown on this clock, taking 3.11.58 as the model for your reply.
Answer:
11.20.16
